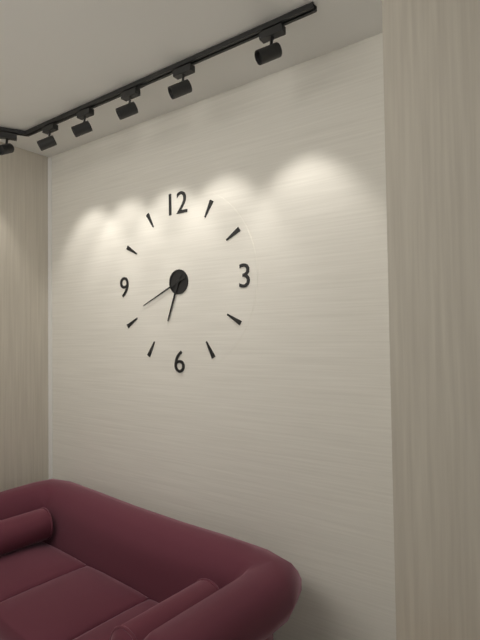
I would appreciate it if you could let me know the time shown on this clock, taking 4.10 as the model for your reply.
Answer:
6.41
